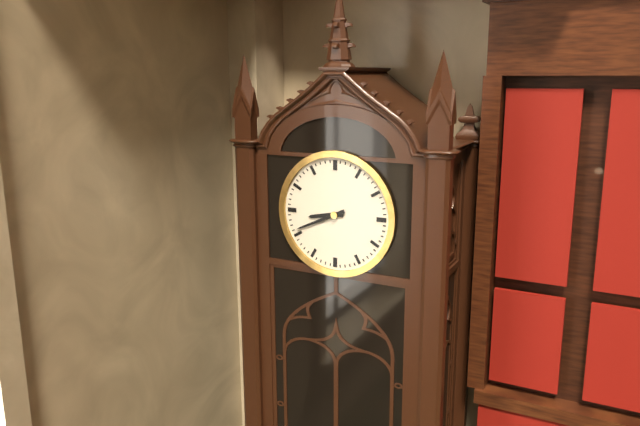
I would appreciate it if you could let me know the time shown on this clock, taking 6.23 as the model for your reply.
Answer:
8.41
